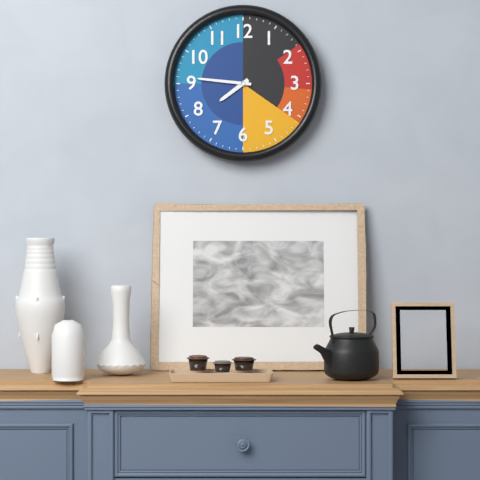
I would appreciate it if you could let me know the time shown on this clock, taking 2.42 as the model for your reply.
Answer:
7.46
